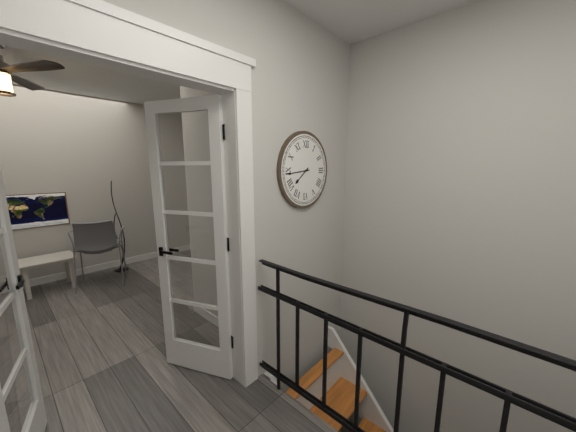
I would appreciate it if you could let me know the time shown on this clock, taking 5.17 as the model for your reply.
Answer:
7.44
